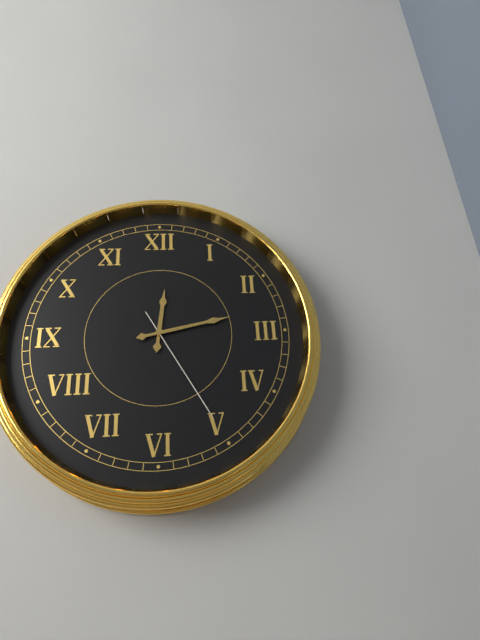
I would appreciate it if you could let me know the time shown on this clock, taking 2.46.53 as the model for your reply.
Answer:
12.13.25
